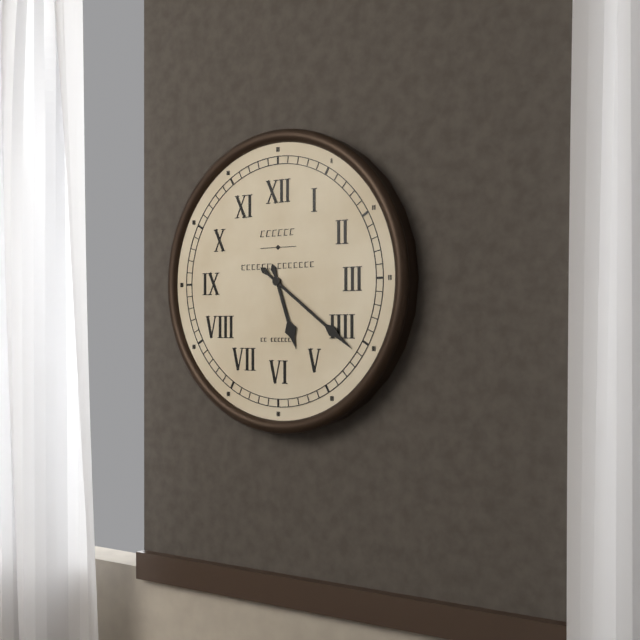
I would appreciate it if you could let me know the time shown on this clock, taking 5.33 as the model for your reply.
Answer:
5.21
